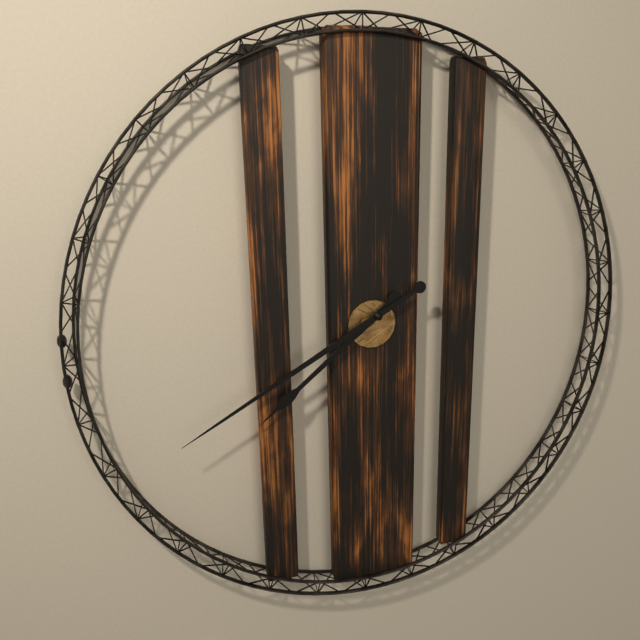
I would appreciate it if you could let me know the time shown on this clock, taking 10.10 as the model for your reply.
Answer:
7.40
